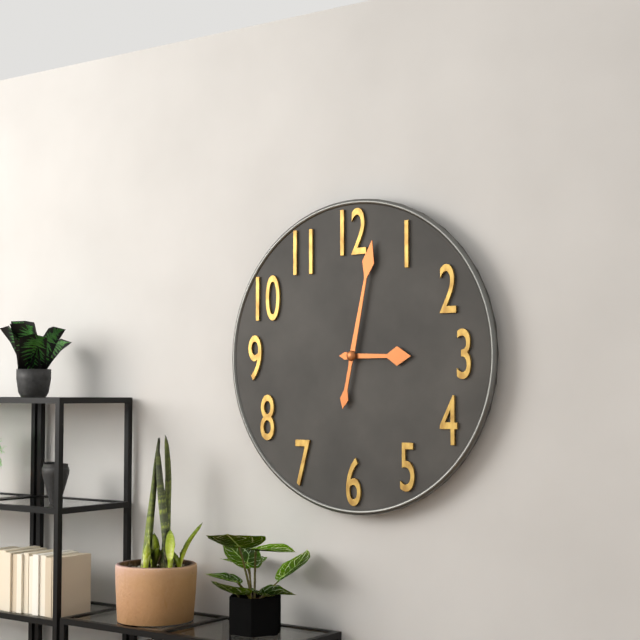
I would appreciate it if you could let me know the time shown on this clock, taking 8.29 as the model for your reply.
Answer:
3.02
